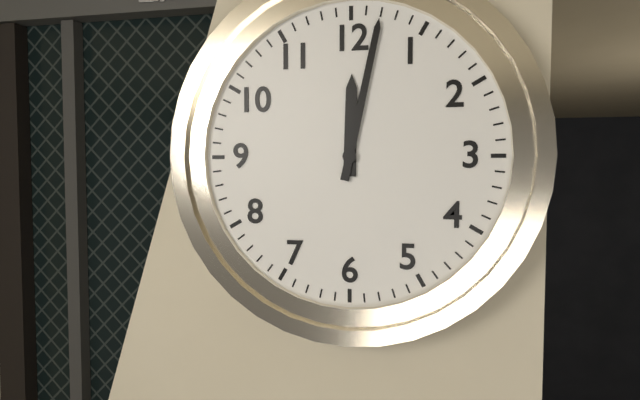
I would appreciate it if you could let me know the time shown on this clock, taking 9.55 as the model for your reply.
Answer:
12.02
